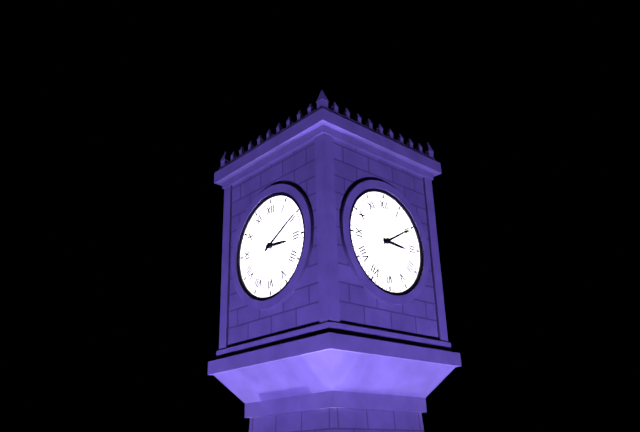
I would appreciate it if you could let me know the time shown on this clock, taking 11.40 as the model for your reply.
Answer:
3.10
